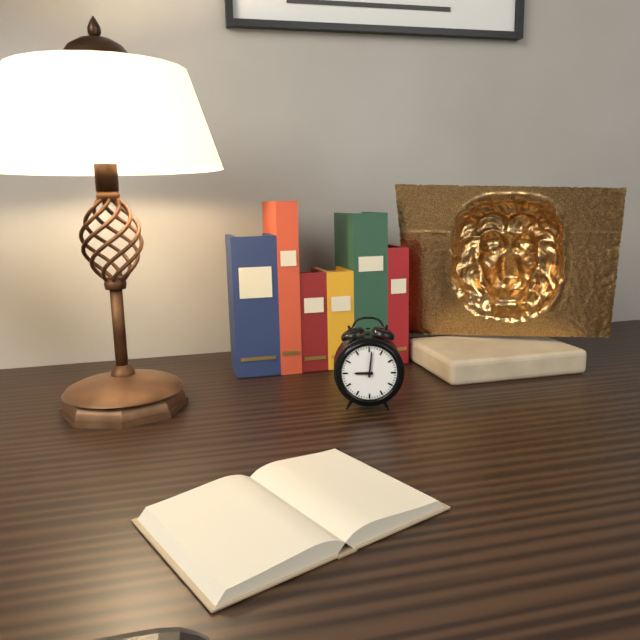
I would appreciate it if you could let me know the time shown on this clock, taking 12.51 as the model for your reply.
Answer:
9.01
